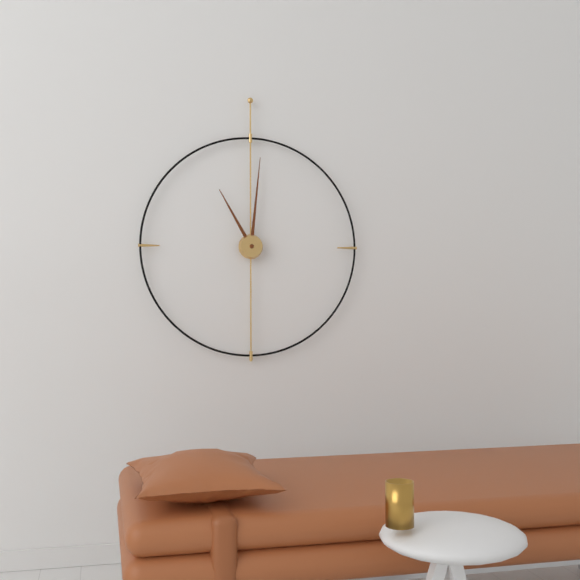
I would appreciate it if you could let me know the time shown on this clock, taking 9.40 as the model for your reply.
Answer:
11.01
